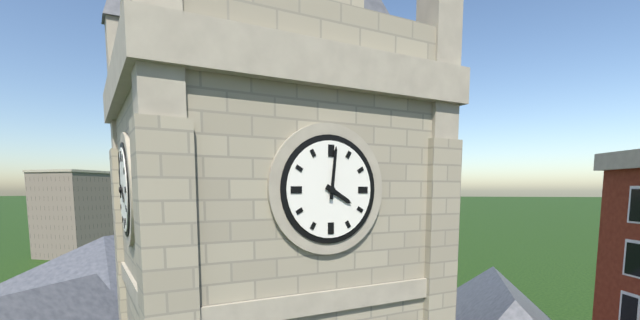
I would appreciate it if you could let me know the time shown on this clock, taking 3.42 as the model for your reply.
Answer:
4.01
